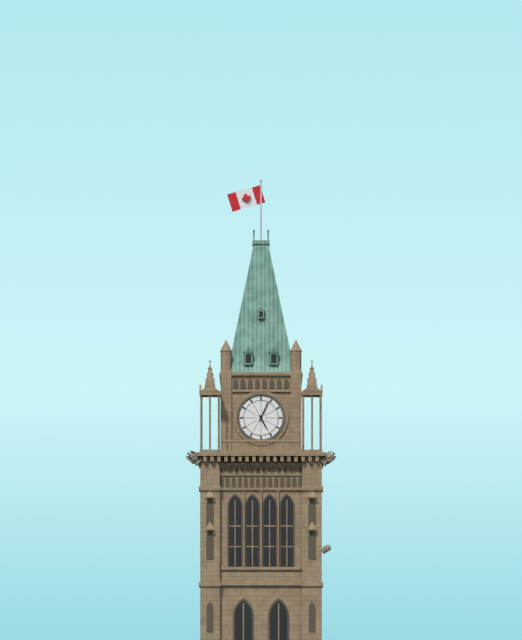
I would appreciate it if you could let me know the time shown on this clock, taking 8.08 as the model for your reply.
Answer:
5.04
